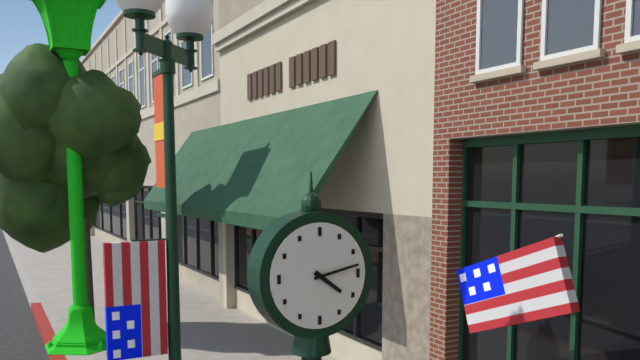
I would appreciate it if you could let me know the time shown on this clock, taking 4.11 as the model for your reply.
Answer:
4.13
